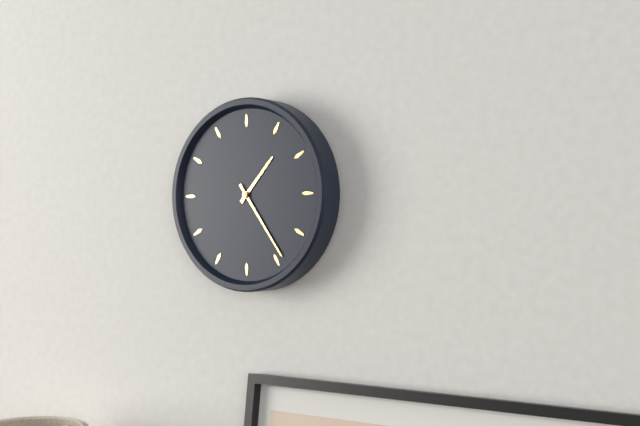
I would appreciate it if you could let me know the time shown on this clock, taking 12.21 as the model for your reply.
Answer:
1.24
